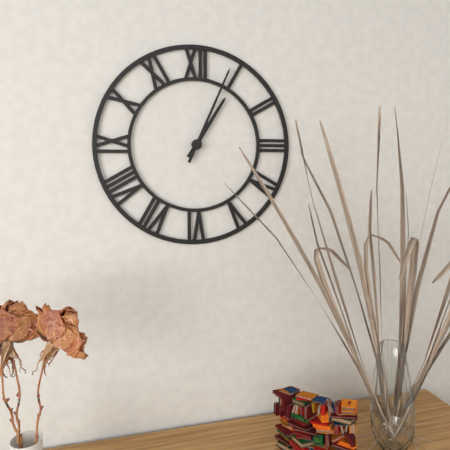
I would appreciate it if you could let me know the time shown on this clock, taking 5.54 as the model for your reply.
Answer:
1.04
